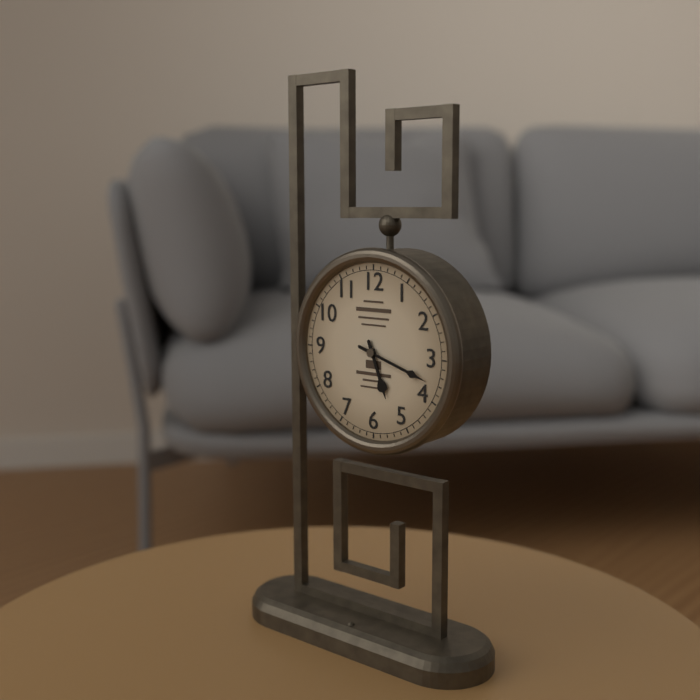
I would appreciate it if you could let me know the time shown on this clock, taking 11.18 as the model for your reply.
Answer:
5.18
